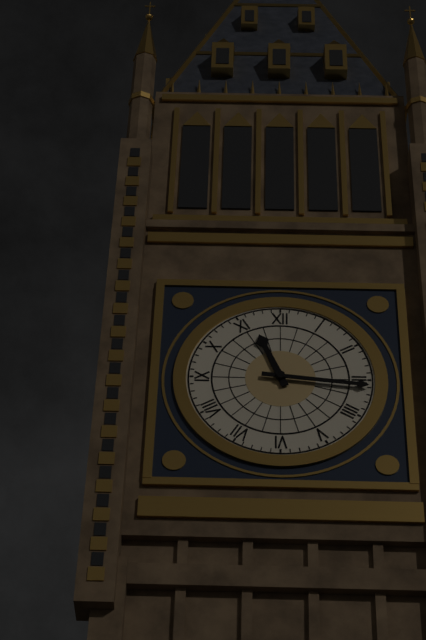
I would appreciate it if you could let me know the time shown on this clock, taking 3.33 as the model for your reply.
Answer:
11.16
